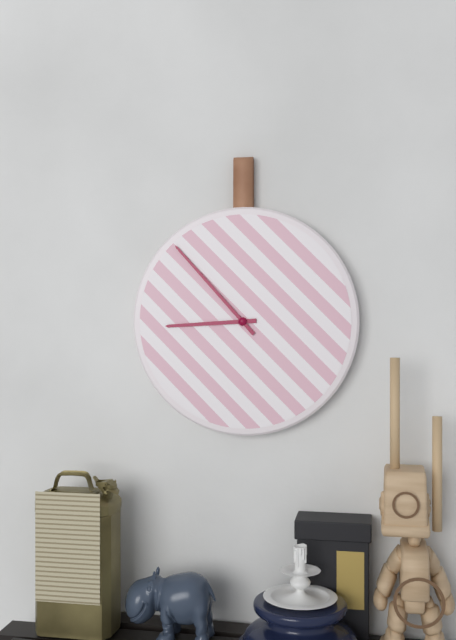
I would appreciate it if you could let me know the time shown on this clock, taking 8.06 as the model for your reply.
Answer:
8.53
